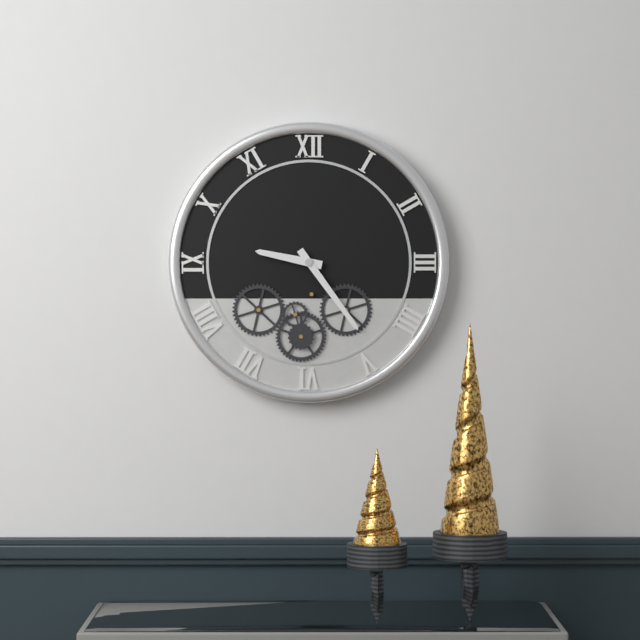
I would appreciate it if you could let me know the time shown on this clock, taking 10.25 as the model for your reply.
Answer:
9.24
